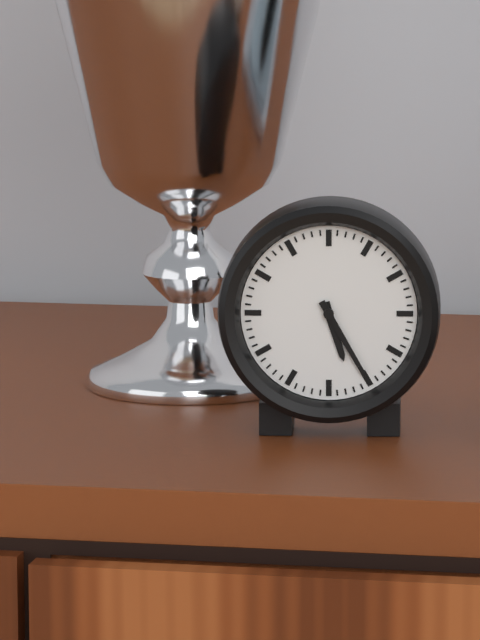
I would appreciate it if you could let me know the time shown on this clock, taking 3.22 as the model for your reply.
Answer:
5.25
